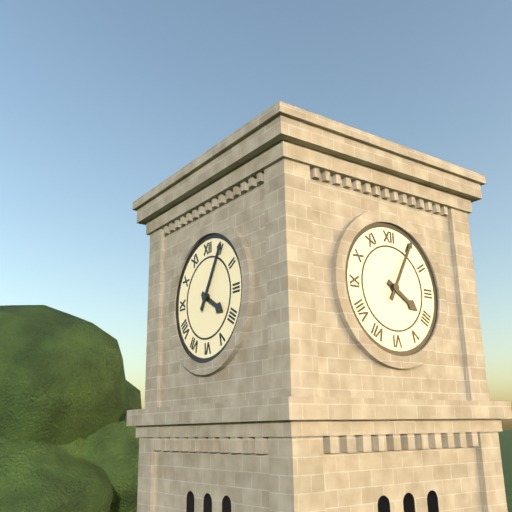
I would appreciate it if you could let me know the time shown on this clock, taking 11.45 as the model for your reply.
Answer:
4.05
